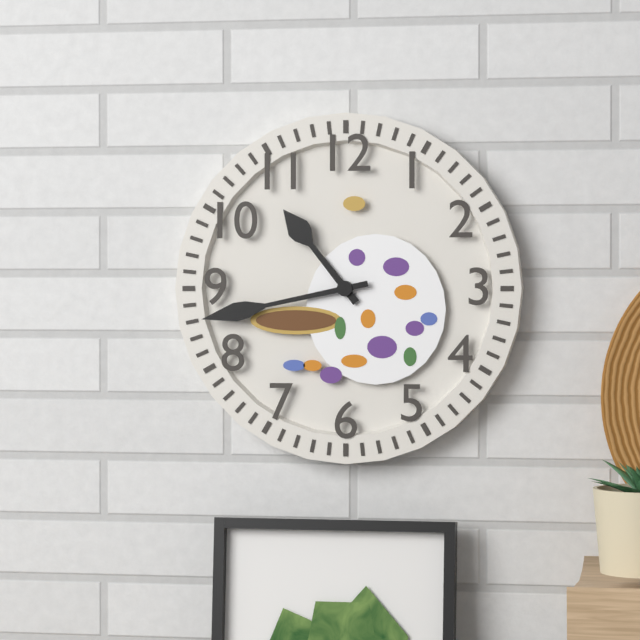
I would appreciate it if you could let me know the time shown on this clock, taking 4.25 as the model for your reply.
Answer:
10.43
